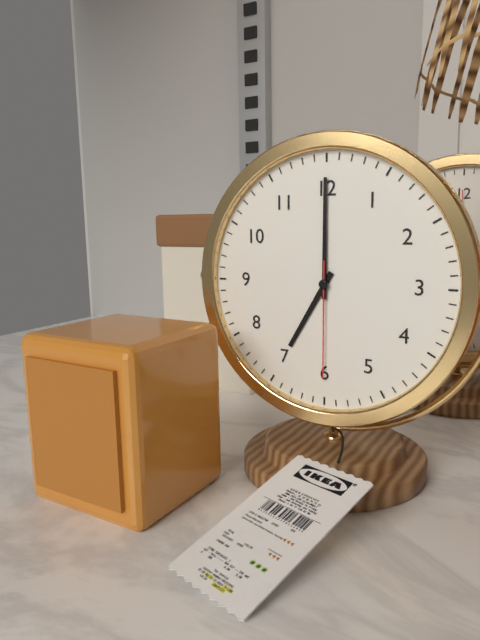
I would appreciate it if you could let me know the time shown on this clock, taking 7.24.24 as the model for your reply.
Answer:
7.00.30
